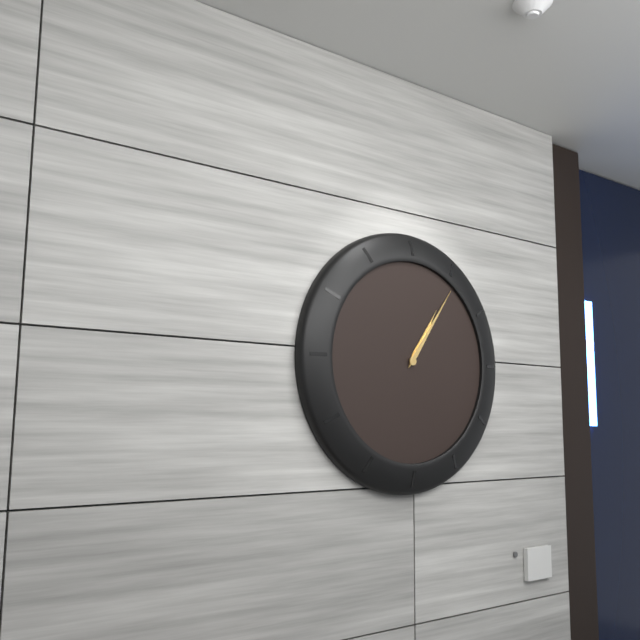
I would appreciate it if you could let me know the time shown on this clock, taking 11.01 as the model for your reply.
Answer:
1.06
